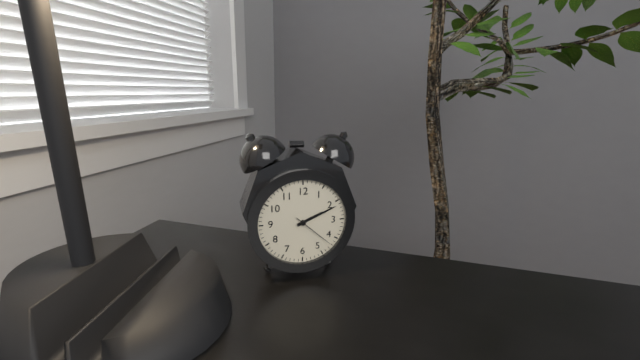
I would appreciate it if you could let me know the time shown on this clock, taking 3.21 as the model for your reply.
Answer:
2.11
